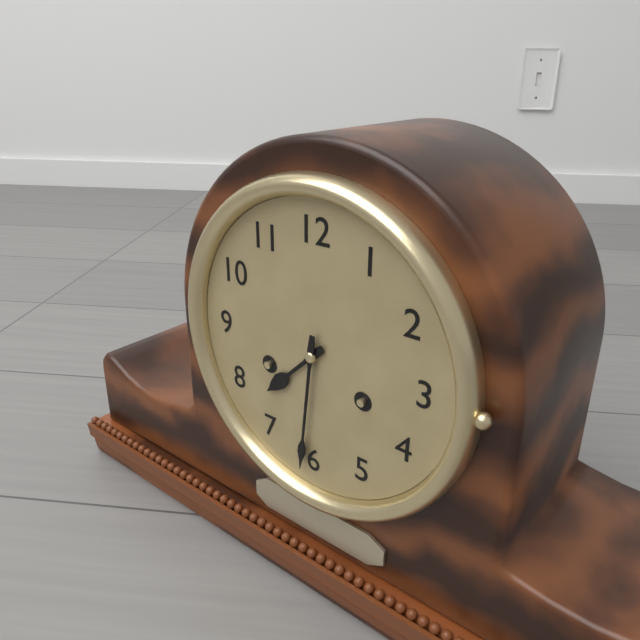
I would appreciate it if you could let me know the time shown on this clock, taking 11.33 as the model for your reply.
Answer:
7.31
